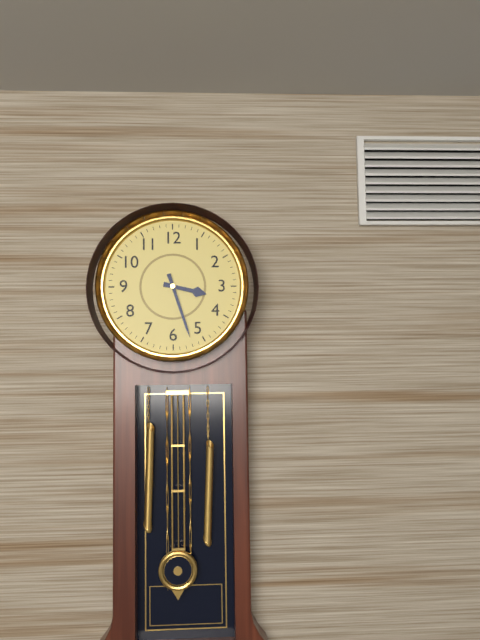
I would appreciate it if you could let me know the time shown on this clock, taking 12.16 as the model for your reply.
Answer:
3.27
